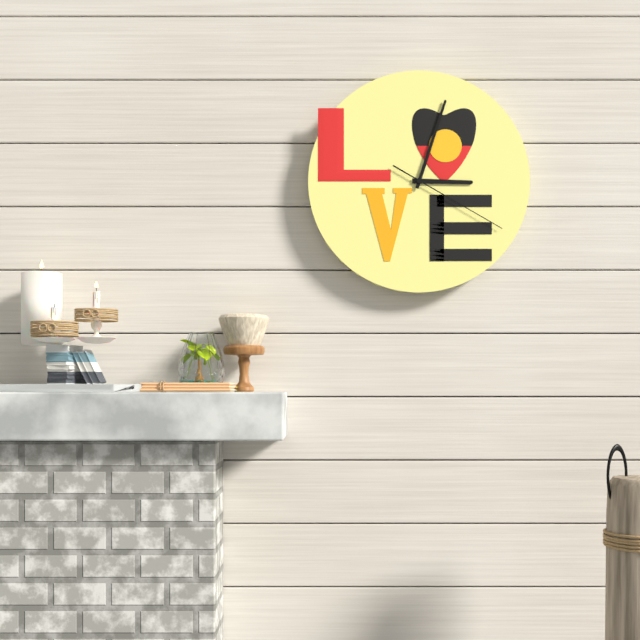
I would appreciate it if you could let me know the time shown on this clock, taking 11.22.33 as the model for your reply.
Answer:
3.03.20
